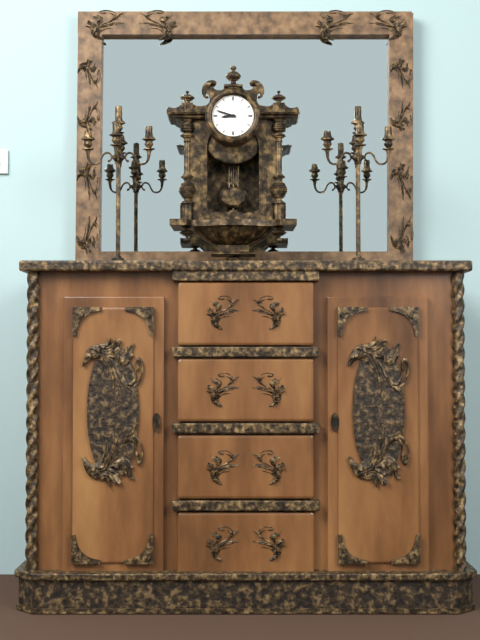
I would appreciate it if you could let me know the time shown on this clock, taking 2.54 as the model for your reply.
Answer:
8.48
